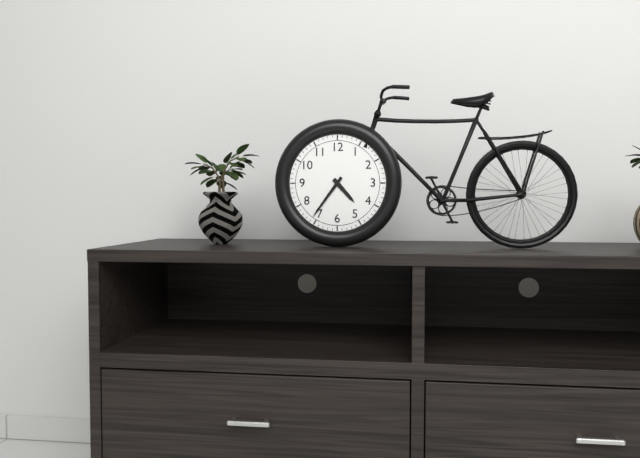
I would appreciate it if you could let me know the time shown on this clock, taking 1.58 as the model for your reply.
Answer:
4.36
